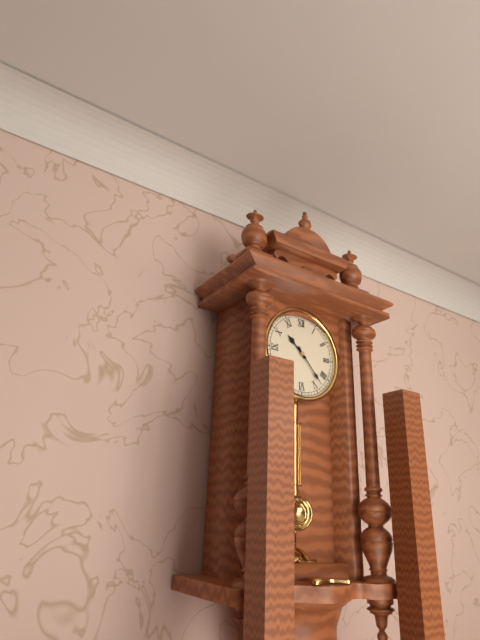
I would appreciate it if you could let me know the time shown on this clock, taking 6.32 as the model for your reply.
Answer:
10.23
